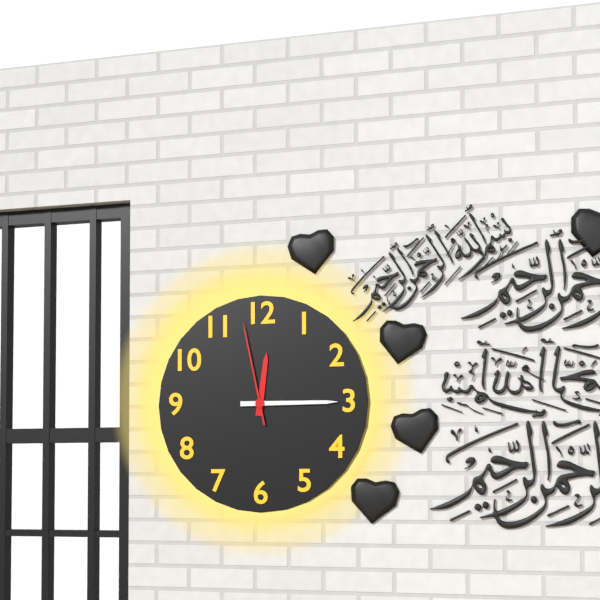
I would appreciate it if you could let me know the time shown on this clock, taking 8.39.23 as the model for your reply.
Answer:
12.15.58
